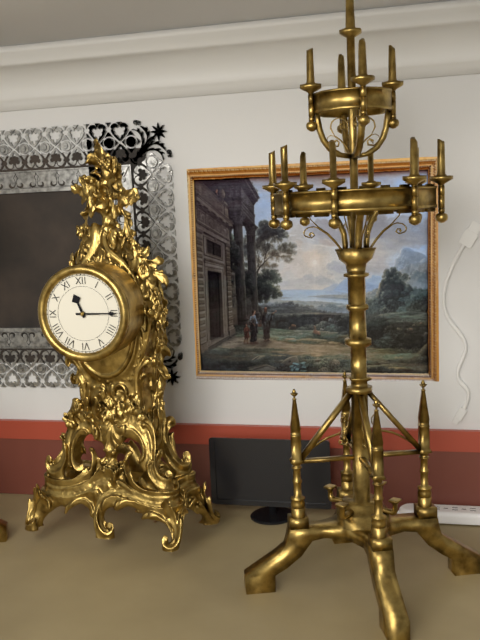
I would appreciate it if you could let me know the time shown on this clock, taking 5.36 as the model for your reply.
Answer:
11.15
